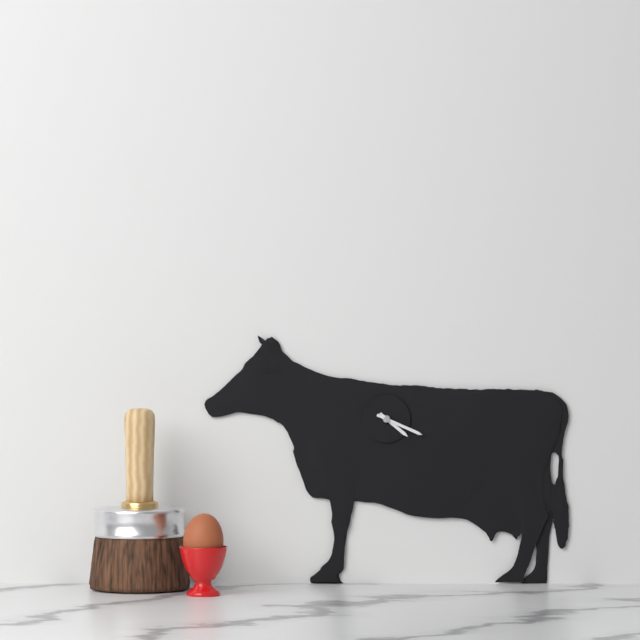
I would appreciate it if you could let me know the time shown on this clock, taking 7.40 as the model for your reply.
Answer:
4.19
